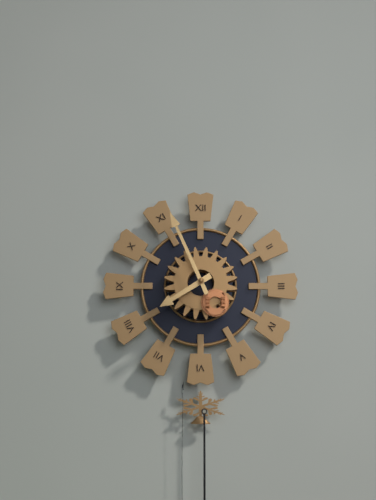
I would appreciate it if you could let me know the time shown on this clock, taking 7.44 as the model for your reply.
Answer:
7.56
